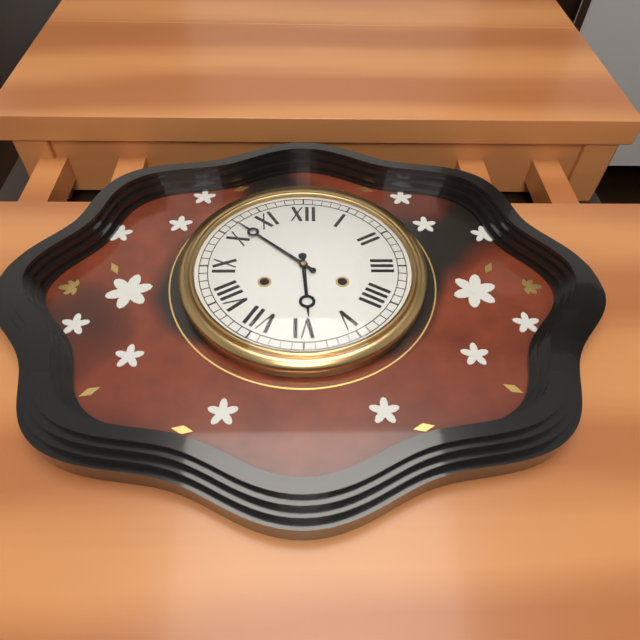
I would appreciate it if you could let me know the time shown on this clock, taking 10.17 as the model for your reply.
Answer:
5.52
